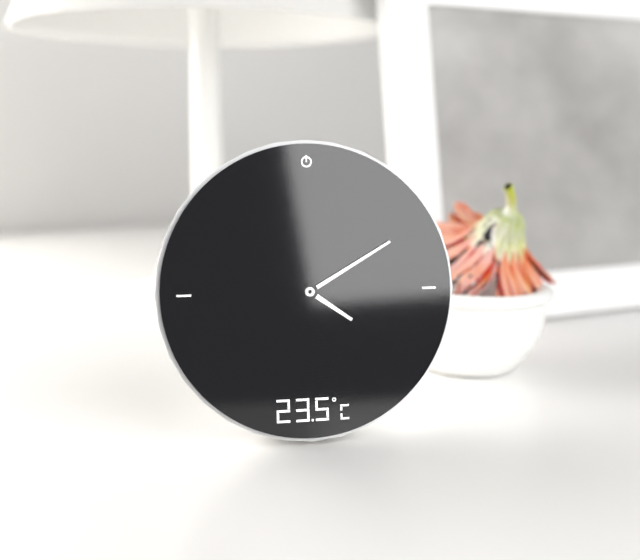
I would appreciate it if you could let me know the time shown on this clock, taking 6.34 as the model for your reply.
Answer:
4.10
